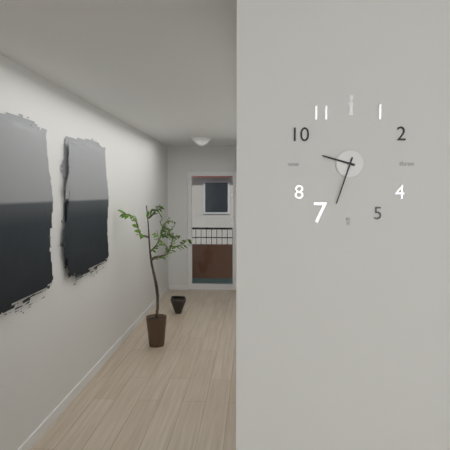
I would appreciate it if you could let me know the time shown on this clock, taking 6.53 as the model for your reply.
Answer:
9.33
